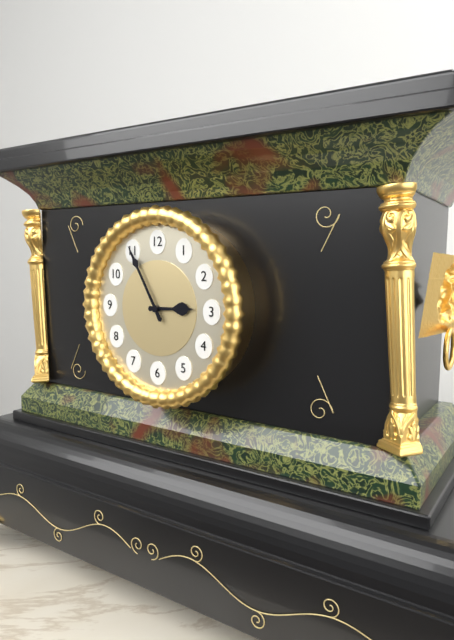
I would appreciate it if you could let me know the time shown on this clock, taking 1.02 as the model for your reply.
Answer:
2.55
